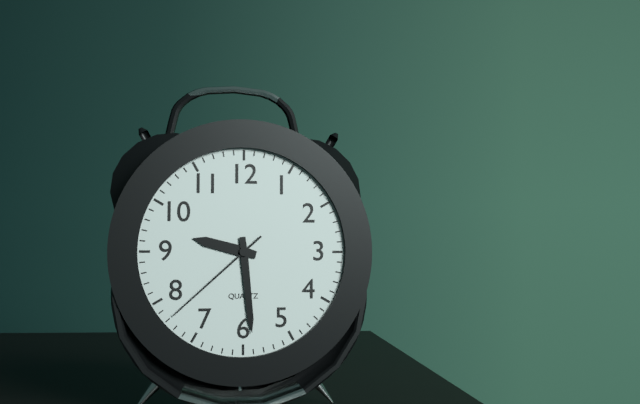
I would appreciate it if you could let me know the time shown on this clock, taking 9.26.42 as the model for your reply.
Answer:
9.29.38
